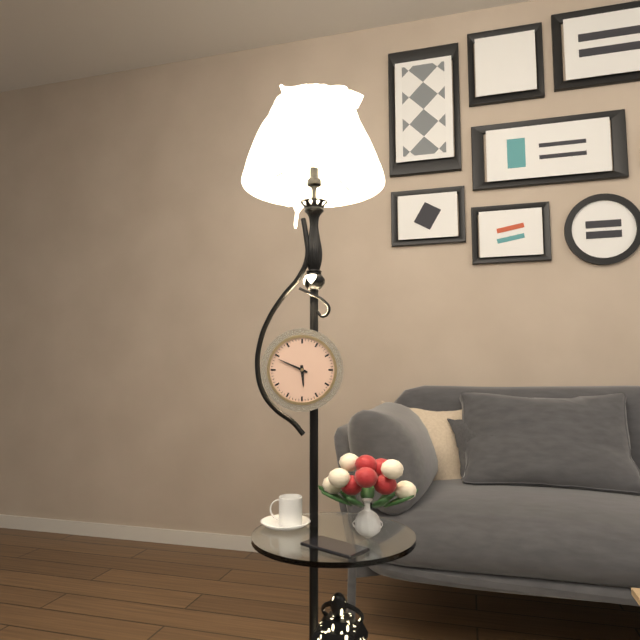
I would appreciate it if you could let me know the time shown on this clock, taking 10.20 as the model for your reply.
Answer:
5.49
